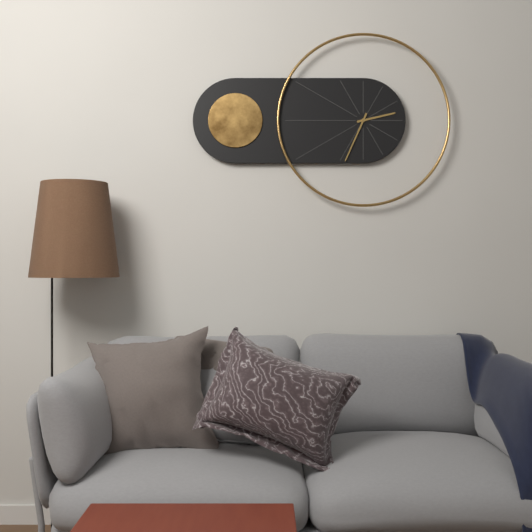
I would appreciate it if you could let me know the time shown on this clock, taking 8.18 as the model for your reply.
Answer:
2.34
